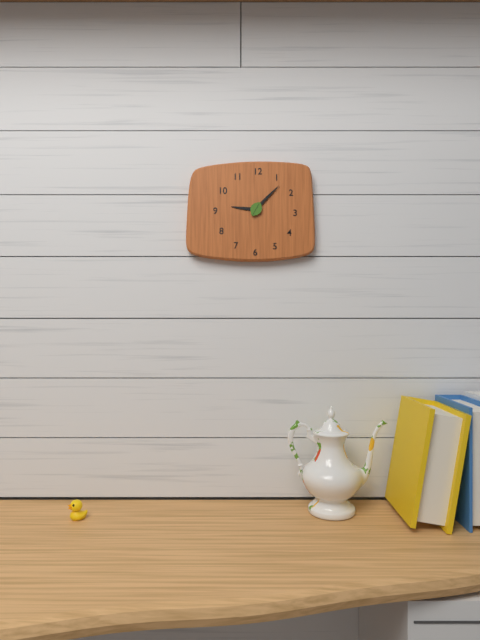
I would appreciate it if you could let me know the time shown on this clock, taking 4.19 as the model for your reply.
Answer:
9.07
